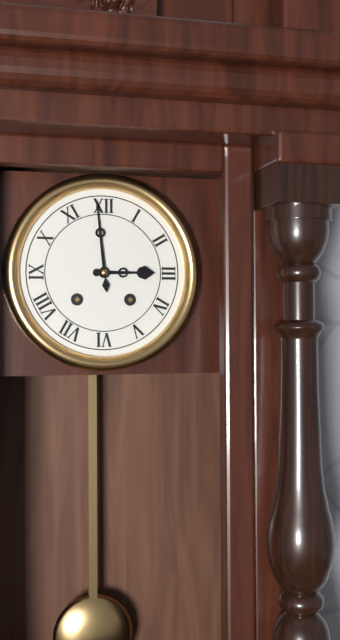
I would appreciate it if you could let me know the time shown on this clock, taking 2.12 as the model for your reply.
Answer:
2.59
